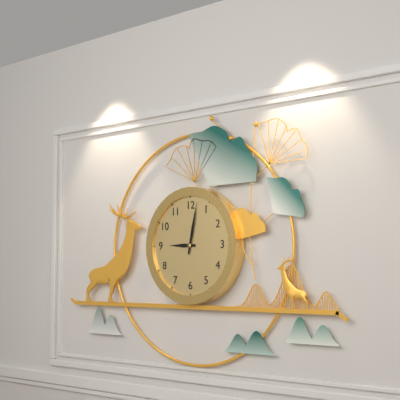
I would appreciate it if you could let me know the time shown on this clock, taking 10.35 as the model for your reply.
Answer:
9.02
